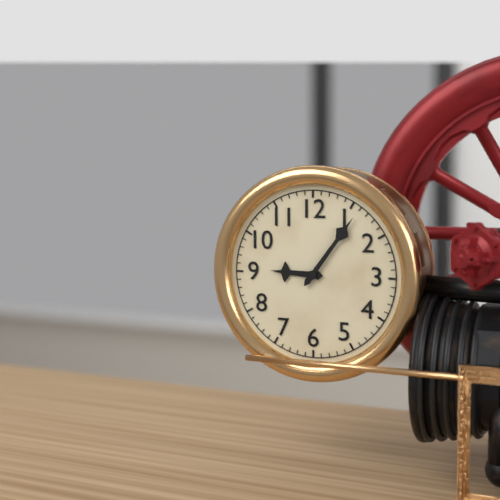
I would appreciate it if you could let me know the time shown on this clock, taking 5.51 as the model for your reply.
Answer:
9.06
